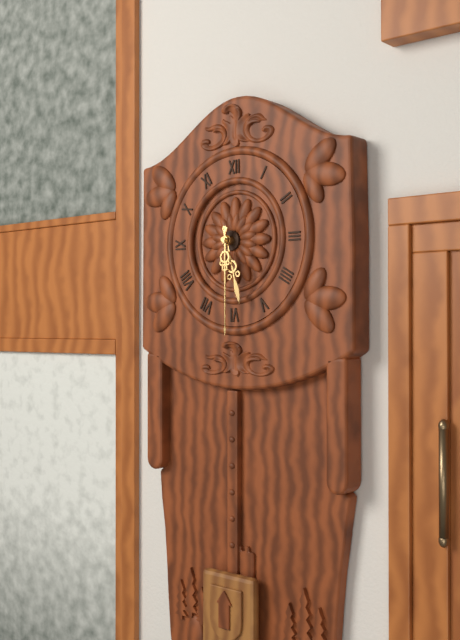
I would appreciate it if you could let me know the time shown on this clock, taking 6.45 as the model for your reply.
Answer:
5.30
